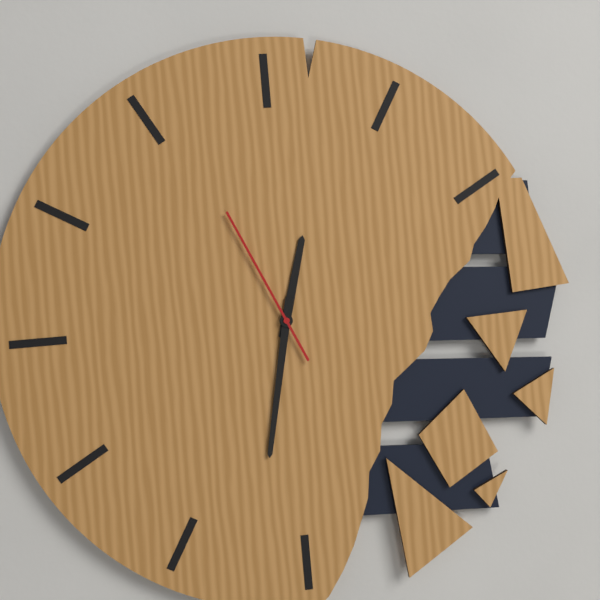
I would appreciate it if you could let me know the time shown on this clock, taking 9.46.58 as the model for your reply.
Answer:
12.32.56
